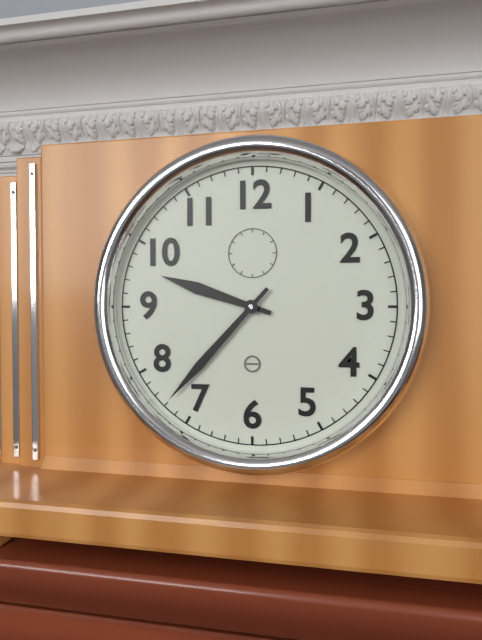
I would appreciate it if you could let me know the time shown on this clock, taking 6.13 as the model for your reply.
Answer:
9.37
